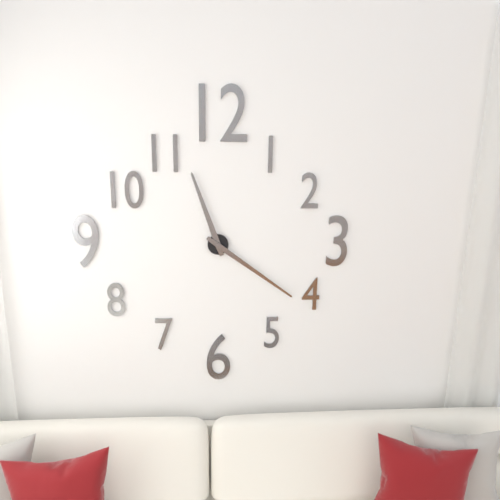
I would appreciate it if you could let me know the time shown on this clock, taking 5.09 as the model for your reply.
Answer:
11.21
